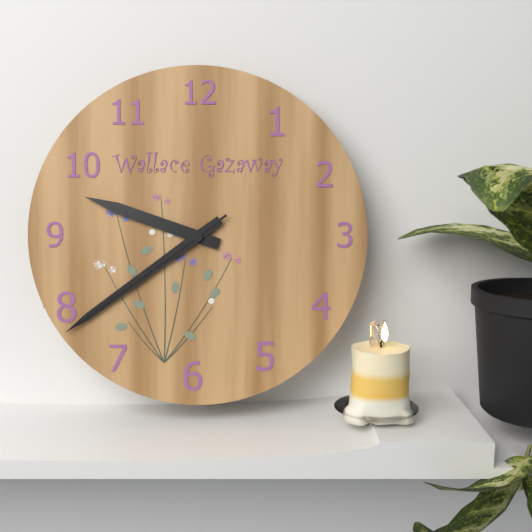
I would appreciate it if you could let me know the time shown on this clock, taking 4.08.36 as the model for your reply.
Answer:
9.39.39
